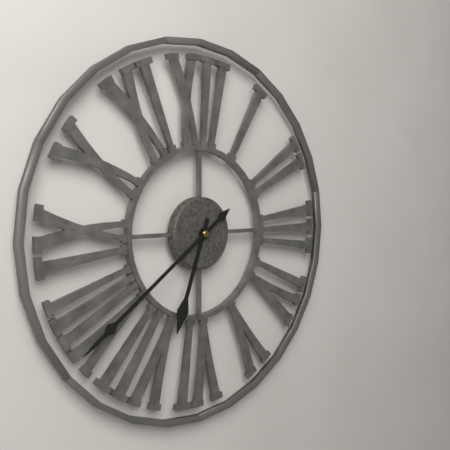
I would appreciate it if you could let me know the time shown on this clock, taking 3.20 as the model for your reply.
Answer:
6.39
